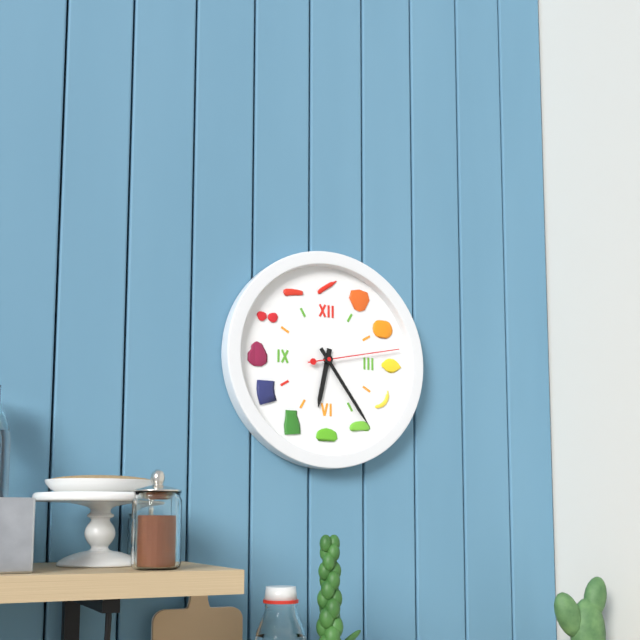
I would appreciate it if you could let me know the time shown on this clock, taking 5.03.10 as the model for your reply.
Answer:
6.24.13
